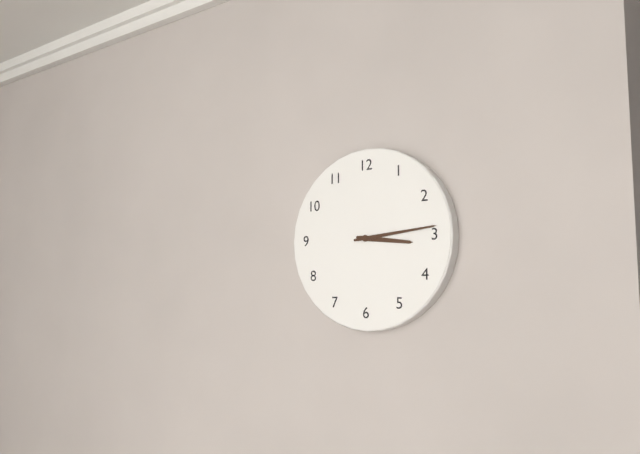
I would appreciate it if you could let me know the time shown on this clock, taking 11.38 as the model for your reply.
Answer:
3.14
